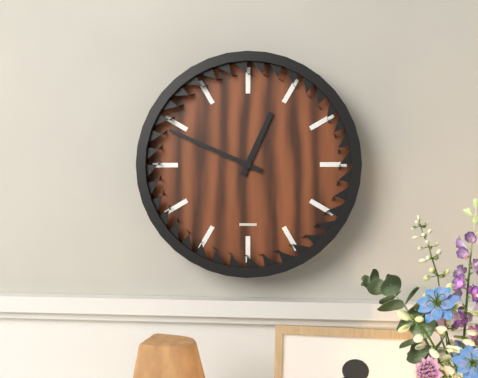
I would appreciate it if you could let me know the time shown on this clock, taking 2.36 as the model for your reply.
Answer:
12.49
